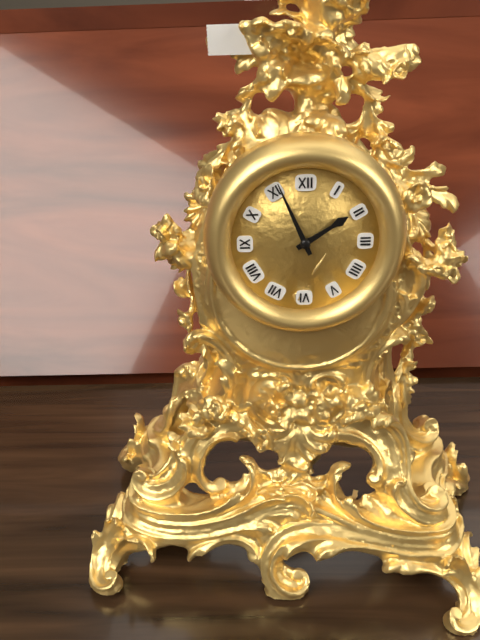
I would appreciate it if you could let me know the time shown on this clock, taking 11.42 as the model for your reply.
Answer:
1.56
